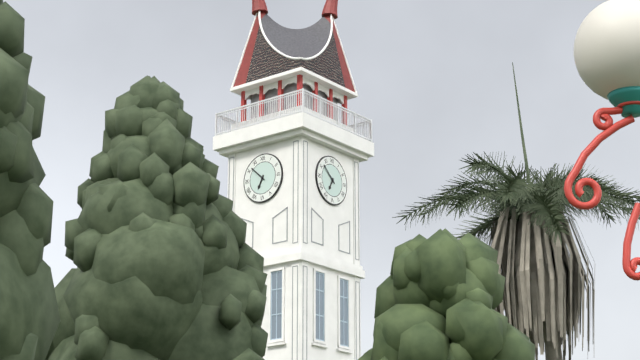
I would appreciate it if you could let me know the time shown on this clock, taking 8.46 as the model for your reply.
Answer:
6.52
